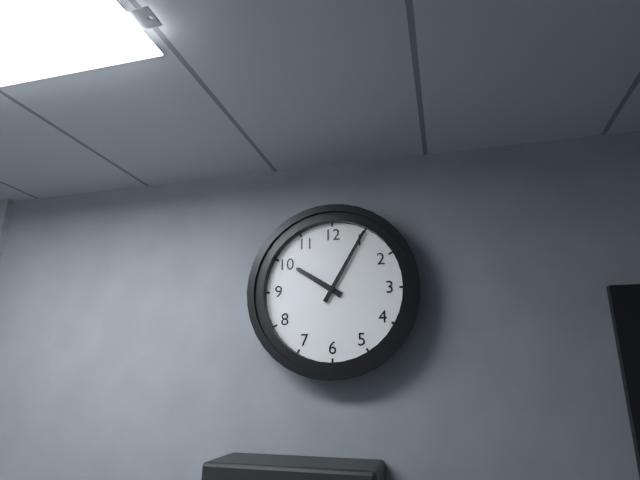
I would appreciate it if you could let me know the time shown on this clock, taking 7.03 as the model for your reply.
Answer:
10.05
